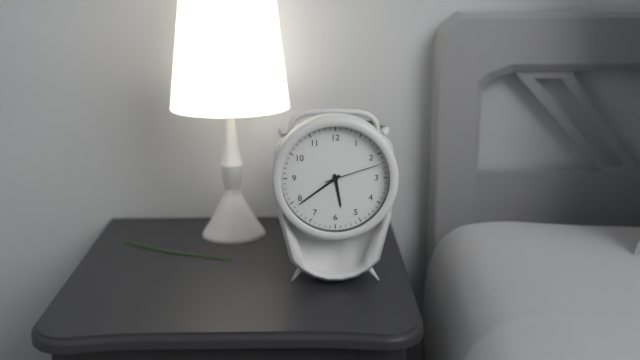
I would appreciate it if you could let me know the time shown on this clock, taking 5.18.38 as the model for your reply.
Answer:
5.39.12
